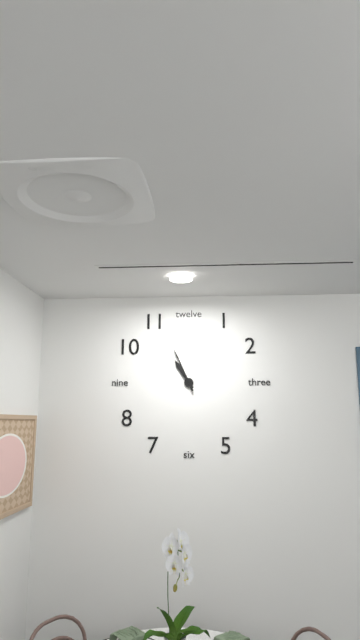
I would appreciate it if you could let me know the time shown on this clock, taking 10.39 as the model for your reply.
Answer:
10.56
